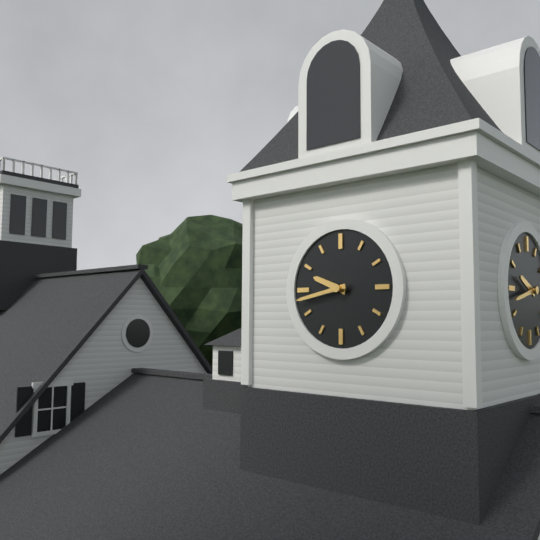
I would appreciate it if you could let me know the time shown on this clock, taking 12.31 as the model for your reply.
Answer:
9.43
